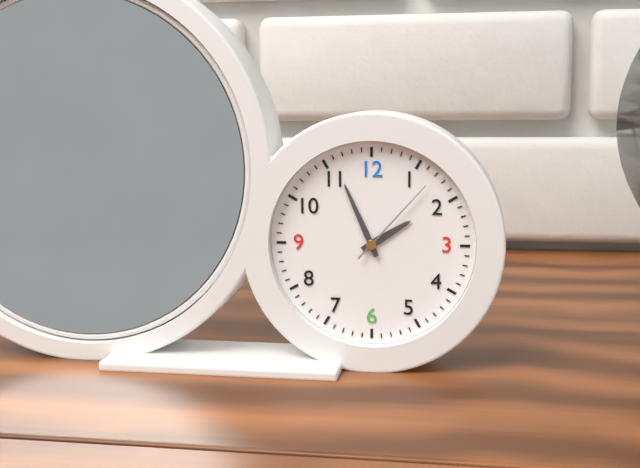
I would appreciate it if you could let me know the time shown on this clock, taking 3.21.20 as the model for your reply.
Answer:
1.56.07
